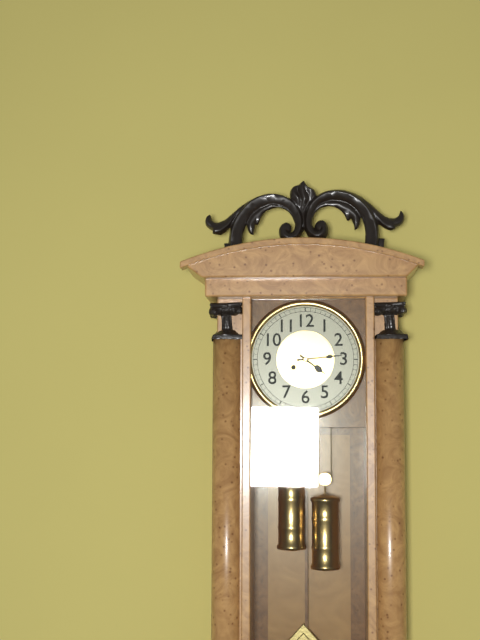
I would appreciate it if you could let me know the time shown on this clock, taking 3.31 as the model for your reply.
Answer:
4.14
